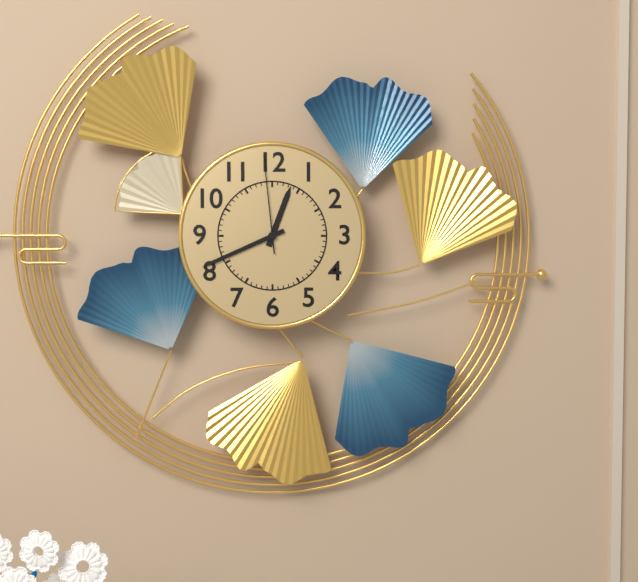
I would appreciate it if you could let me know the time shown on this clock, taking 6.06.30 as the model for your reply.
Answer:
12.41.59
